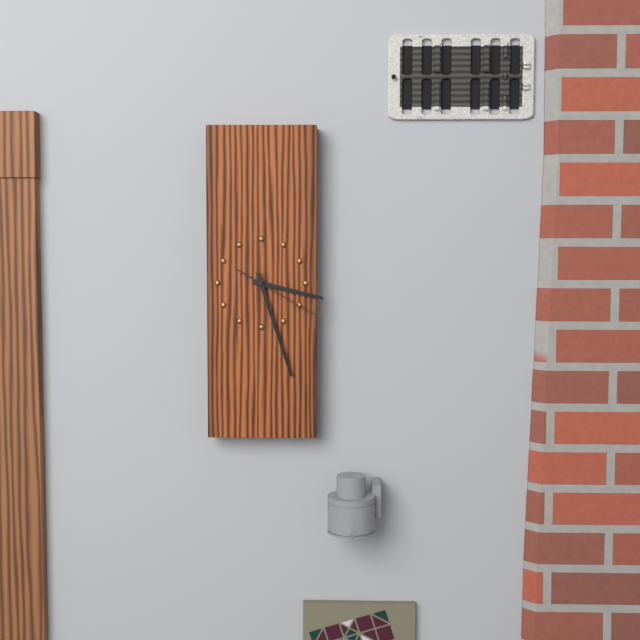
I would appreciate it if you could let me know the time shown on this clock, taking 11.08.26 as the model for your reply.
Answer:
3.27.20
